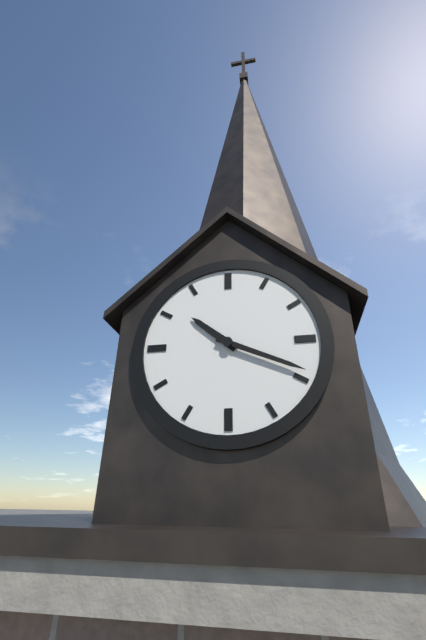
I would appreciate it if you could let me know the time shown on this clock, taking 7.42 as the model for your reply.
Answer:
10.19
